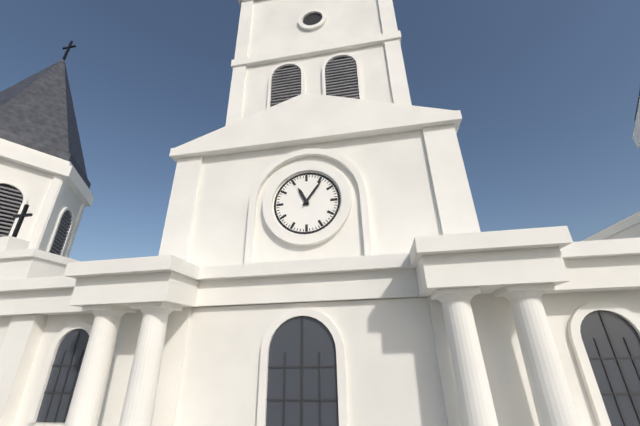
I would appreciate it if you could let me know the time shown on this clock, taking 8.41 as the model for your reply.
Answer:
11.06
